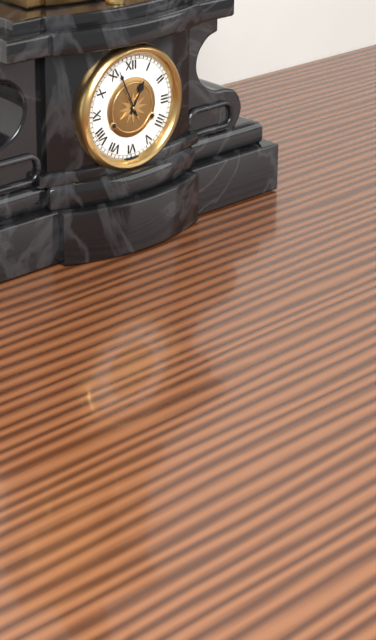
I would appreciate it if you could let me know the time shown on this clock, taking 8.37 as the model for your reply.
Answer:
12.56
